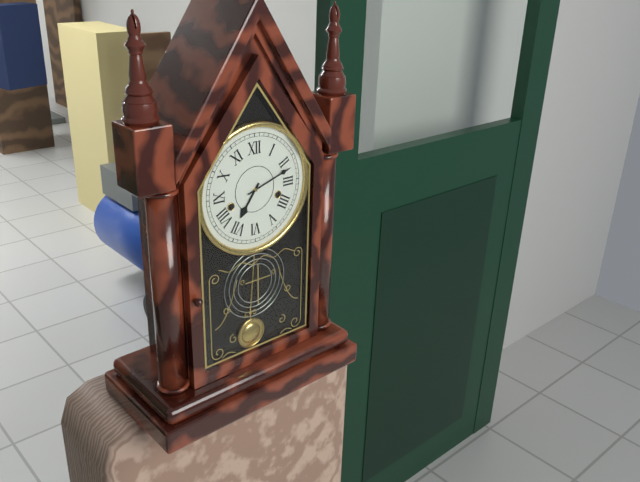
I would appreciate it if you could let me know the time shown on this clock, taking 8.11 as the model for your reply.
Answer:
7.12
